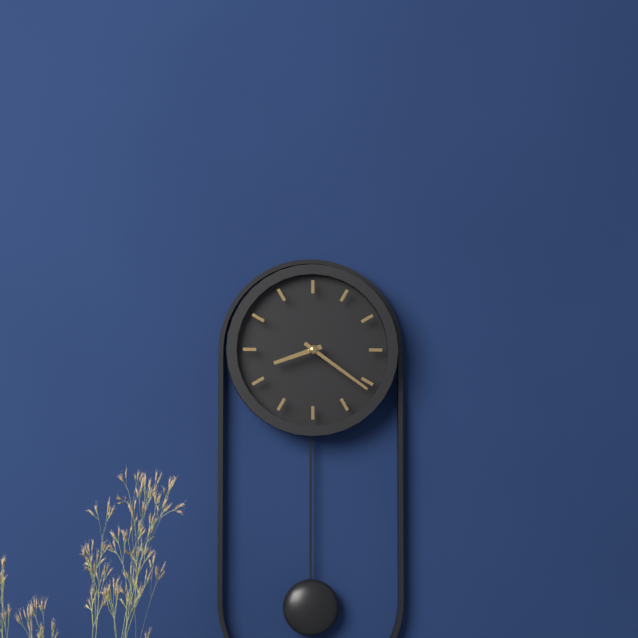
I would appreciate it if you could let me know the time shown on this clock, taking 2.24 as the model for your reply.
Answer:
8.21
